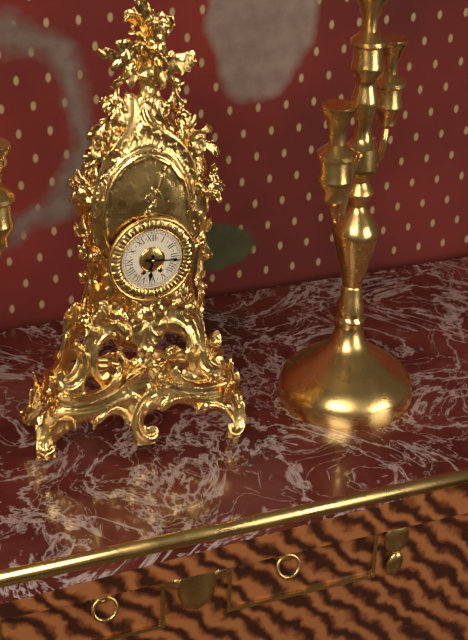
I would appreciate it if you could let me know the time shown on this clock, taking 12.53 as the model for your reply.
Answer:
6.16
